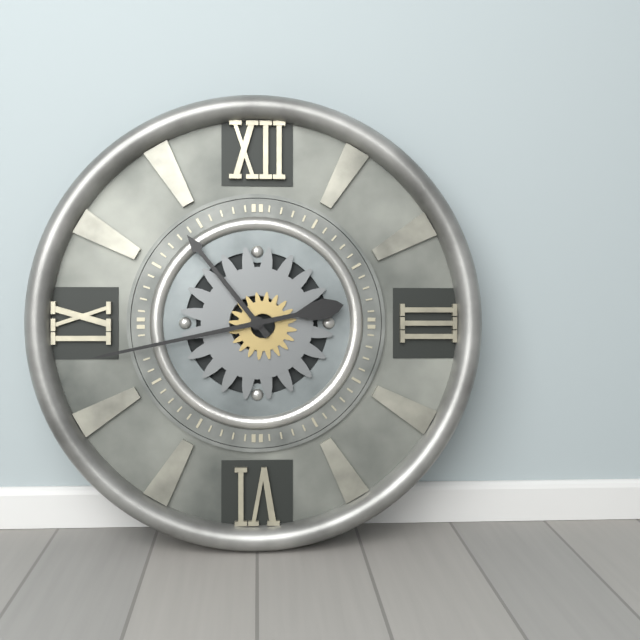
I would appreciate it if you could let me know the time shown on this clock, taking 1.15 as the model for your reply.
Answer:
10.43
